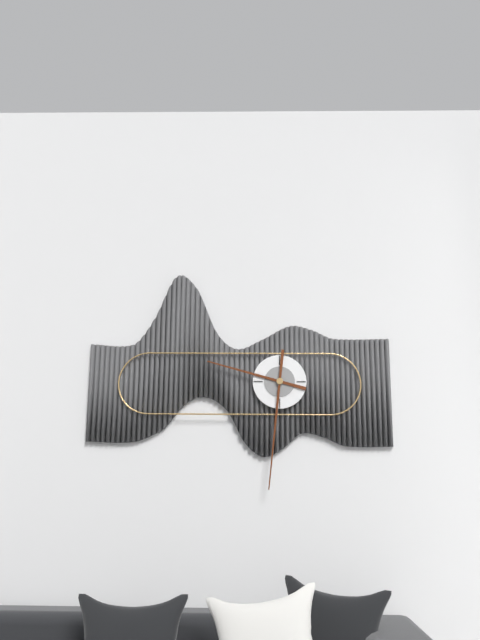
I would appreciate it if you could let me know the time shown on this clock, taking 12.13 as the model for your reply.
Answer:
9.31
